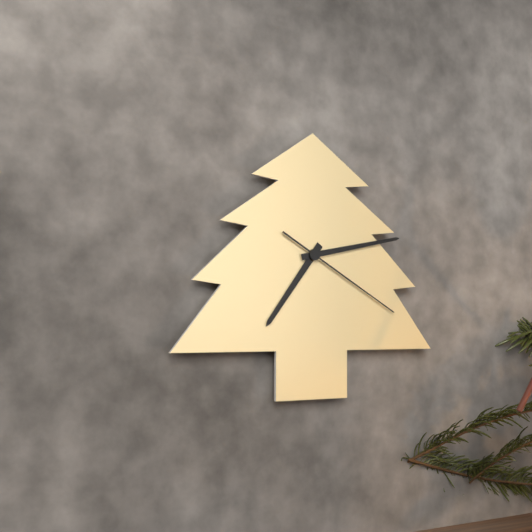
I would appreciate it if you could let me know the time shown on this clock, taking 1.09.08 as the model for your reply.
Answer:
7.13.20
